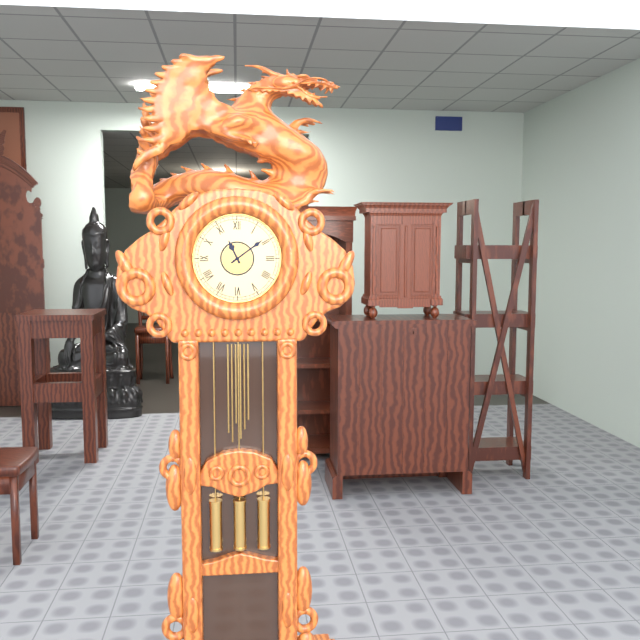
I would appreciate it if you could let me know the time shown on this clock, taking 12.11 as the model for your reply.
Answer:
11.09
